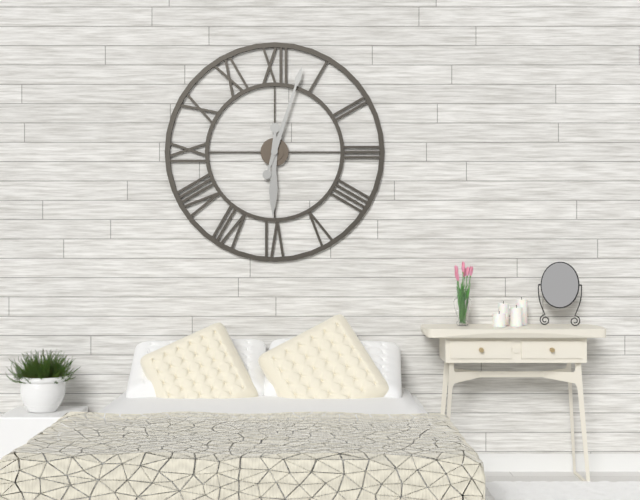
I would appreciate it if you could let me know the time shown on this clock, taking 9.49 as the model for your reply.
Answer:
6.03
